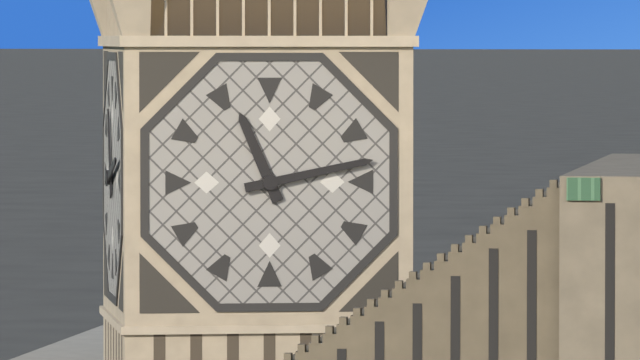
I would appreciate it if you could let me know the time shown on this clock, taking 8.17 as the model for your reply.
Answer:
11.13
